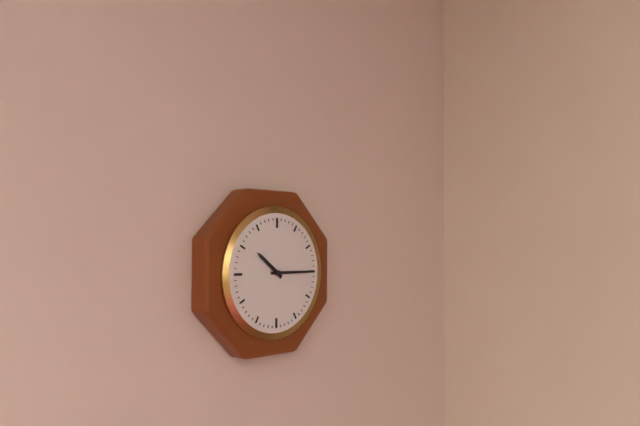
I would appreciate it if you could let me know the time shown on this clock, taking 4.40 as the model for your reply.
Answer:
10.15
